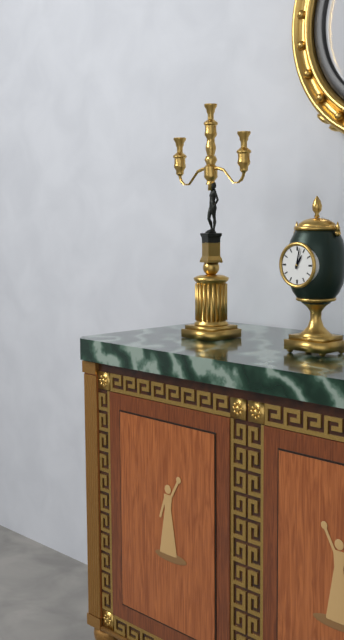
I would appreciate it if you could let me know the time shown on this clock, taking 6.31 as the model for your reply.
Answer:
1.02
